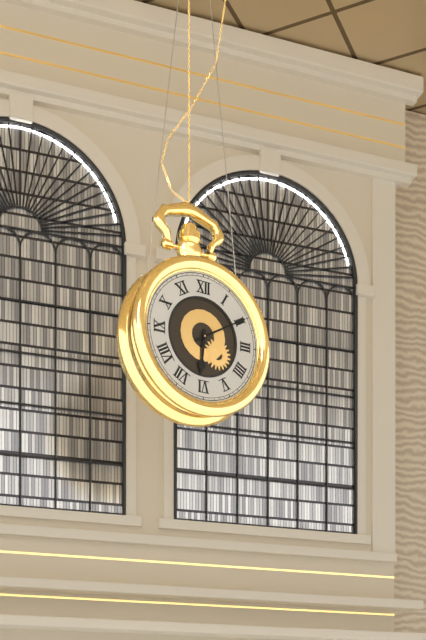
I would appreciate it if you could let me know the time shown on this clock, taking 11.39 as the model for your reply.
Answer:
6.10
